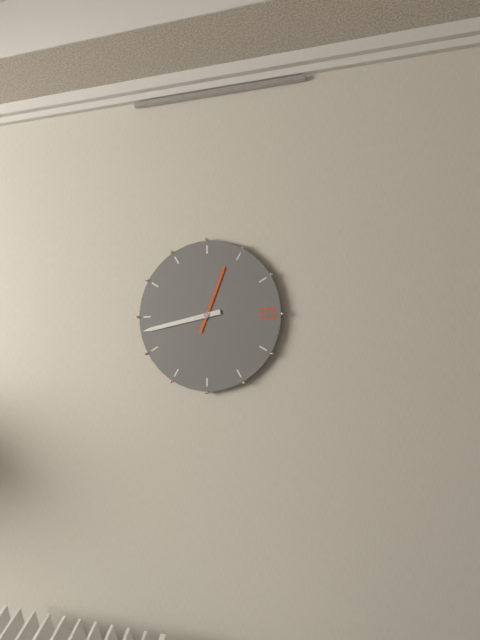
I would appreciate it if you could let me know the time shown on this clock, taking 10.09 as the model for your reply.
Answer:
12.43
